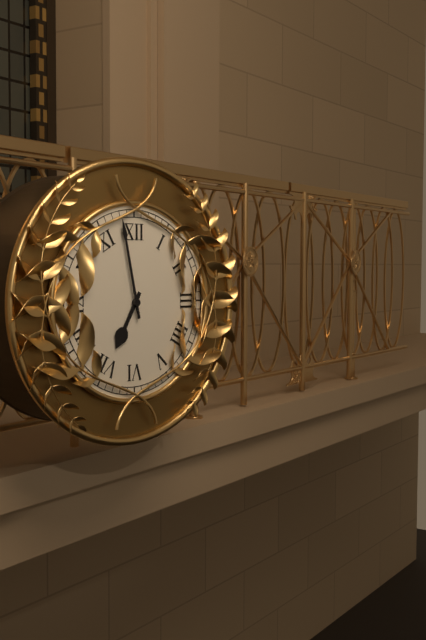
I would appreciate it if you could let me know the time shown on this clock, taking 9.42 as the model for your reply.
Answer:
6.58
